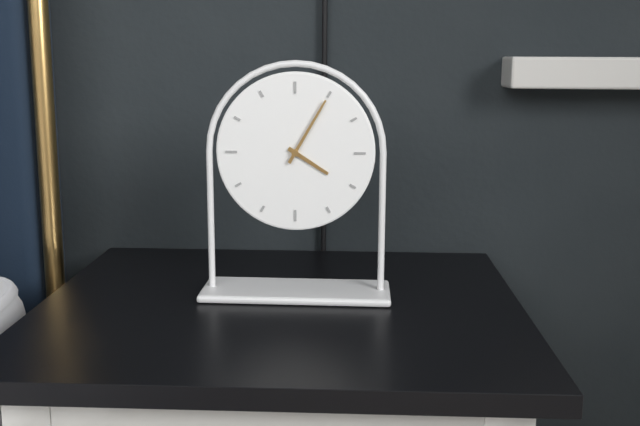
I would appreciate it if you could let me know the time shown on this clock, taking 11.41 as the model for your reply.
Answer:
4.05
